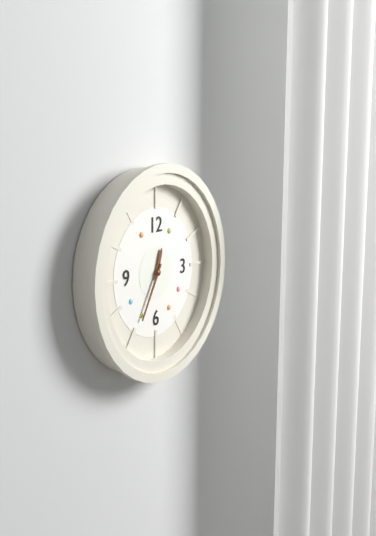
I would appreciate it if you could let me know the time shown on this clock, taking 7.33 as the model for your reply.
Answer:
12.35
